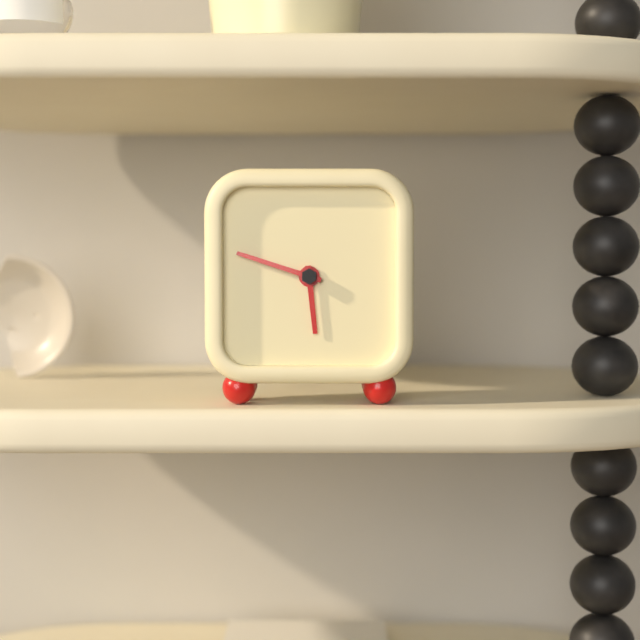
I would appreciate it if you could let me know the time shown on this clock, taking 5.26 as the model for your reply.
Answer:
5.48
